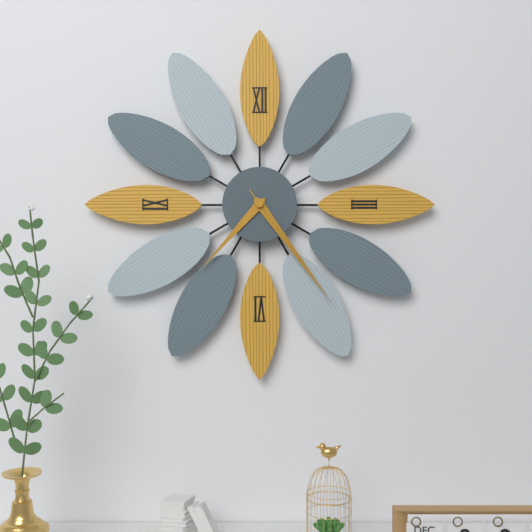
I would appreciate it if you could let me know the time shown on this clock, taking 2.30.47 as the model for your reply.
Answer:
7.24.24
